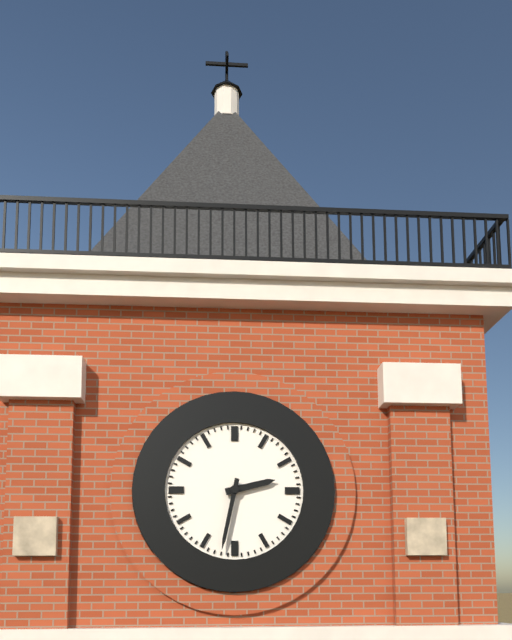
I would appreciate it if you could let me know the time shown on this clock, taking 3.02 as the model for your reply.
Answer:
2.32
